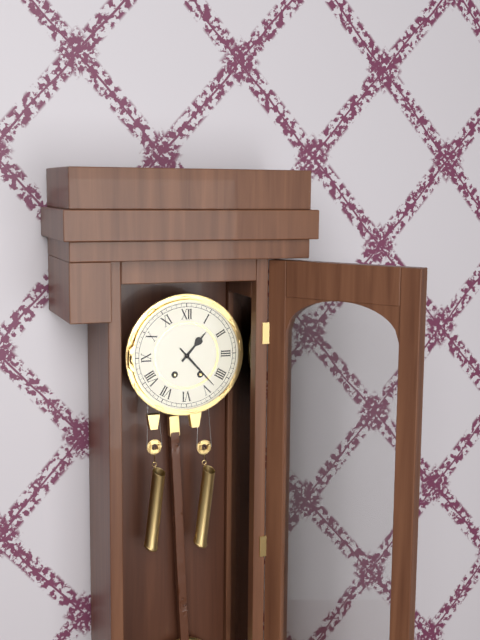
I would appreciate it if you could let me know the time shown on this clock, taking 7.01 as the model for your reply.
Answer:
1.23
